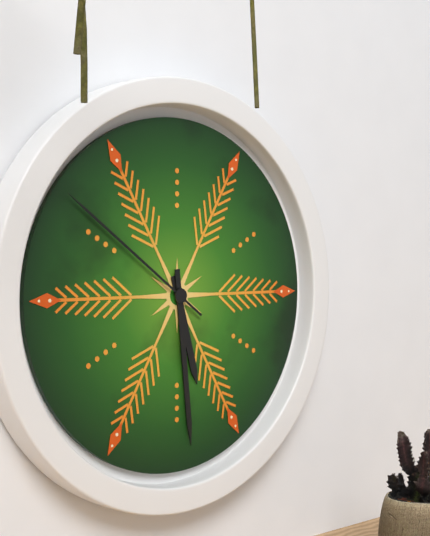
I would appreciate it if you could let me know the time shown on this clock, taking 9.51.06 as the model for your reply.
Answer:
5.29.51
